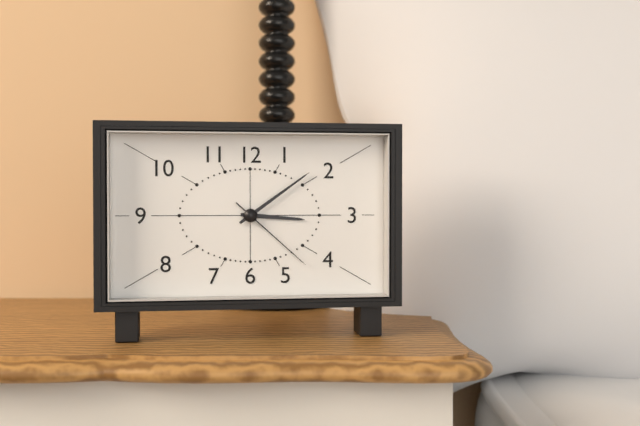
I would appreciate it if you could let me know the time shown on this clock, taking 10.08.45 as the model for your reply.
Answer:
3.09.22
